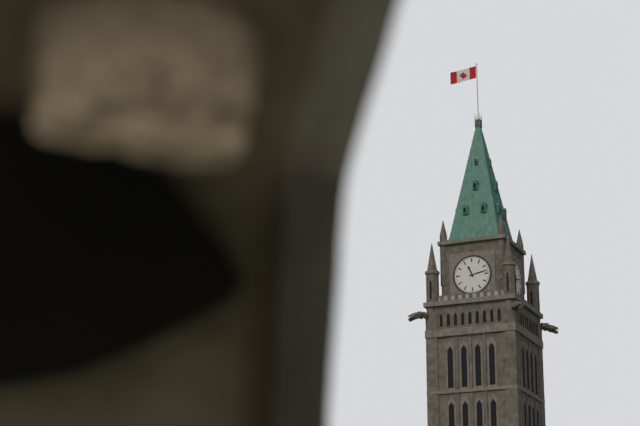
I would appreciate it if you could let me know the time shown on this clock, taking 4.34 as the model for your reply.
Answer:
11.13
